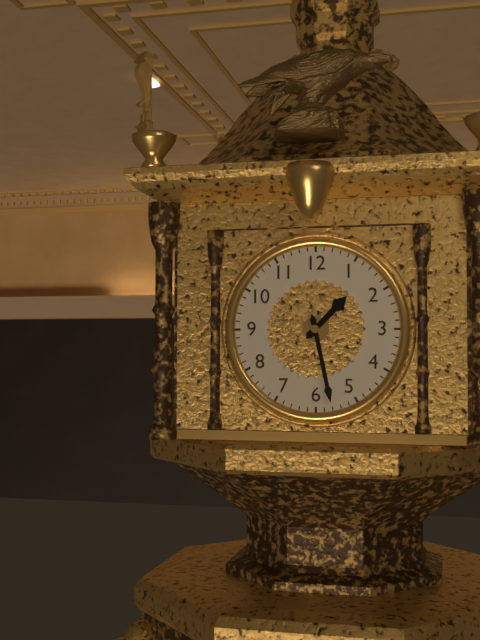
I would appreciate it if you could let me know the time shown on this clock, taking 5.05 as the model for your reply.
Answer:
1.28
